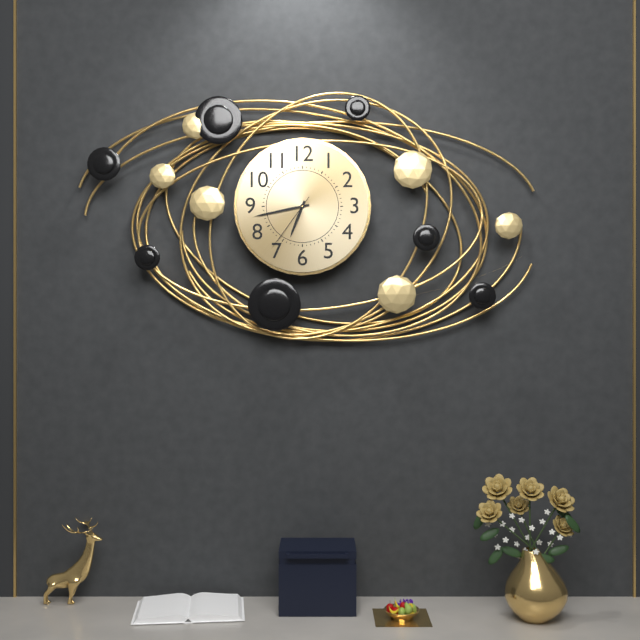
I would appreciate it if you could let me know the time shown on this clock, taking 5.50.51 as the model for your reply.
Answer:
6.43.36
